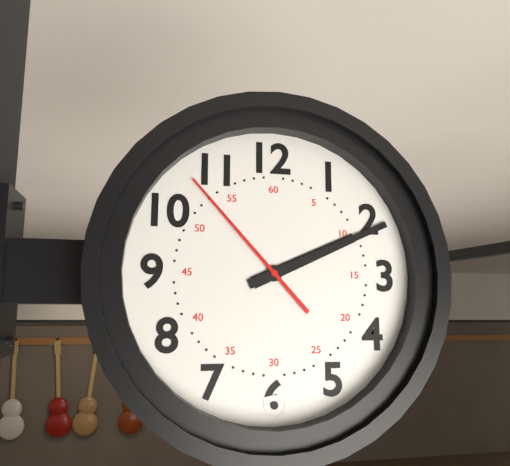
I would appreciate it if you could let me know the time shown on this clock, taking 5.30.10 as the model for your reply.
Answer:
2.11.53
